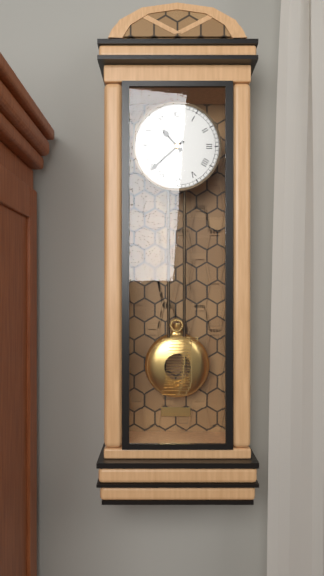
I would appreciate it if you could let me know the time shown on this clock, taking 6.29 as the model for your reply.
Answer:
10.38
